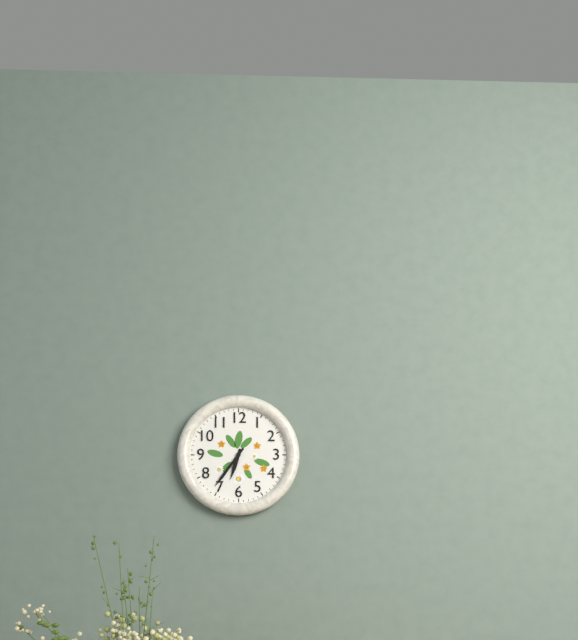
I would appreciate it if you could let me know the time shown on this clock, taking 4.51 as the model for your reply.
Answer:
6.36
